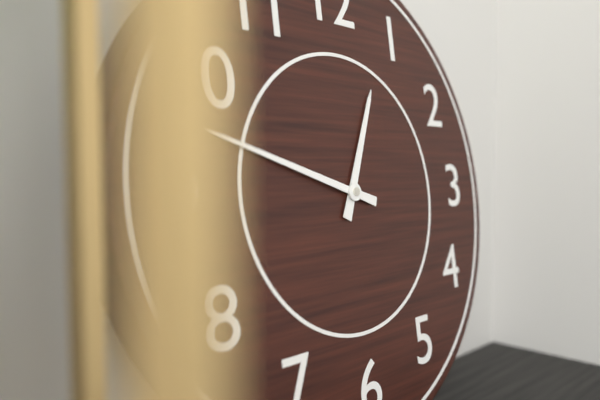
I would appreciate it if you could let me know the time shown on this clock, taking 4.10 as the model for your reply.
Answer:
12.48
